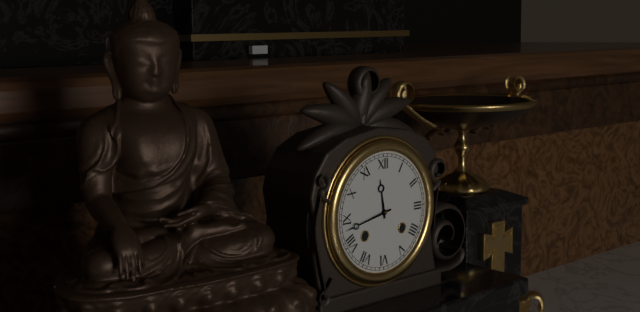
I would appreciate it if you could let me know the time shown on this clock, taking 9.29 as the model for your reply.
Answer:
11.43
